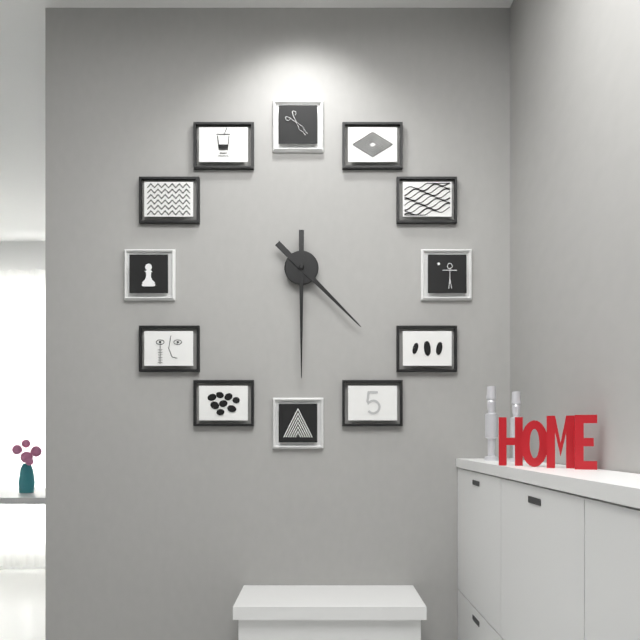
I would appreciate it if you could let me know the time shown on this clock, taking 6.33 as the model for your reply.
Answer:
4.30
